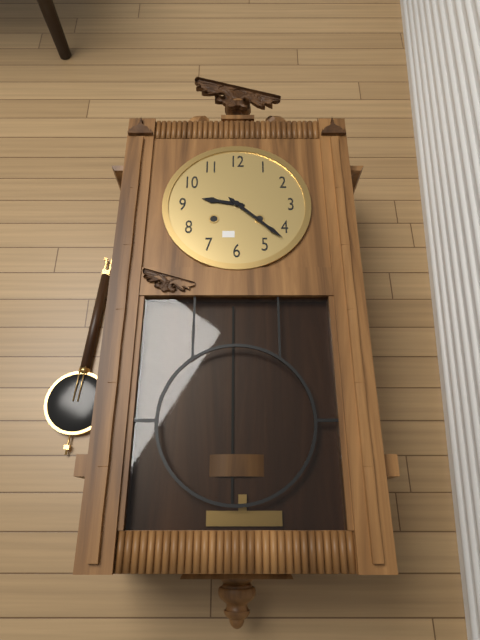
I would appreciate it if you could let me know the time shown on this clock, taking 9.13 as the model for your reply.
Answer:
9.22
